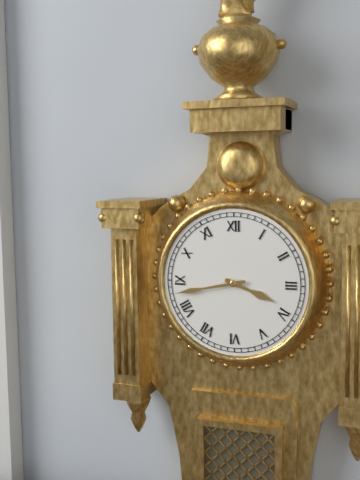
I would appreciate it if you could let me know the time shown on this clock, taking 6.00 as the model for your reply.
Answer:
3.43
